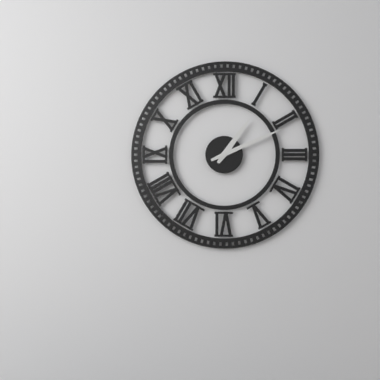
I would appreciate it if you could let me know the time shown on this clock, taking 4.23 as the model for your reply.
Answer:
1.11
